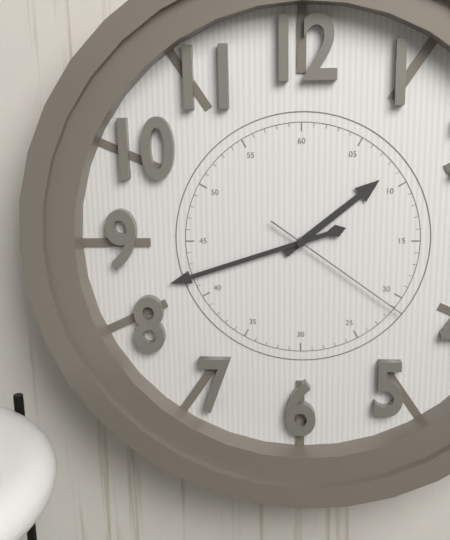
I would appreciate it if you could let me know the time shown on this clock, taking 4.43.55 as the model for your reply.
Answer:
1.42.21
